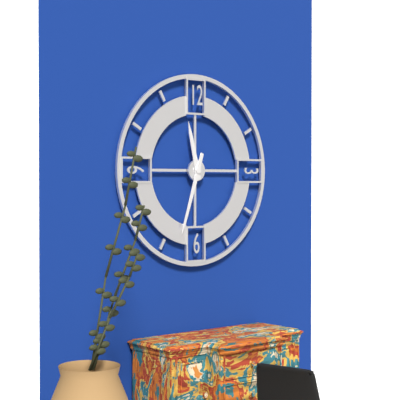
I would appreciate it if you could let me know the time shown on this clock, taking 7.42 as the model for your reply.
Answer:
11.33
